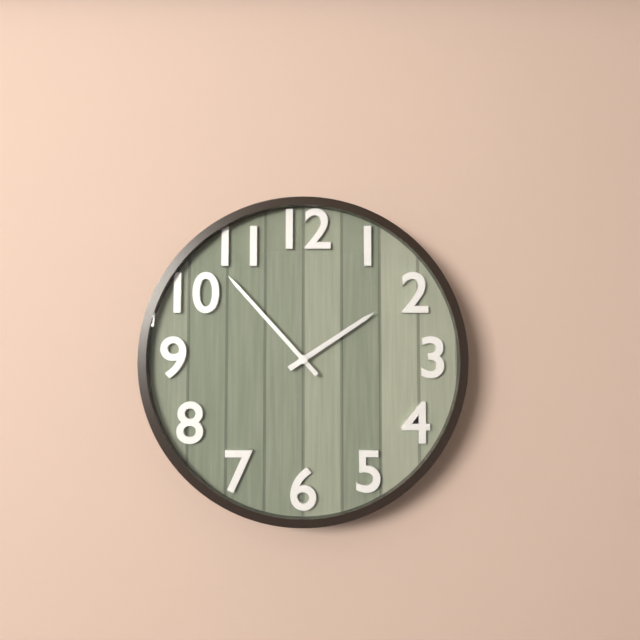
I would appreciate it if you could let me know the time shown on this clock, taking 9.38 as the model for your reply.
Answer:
1.53
